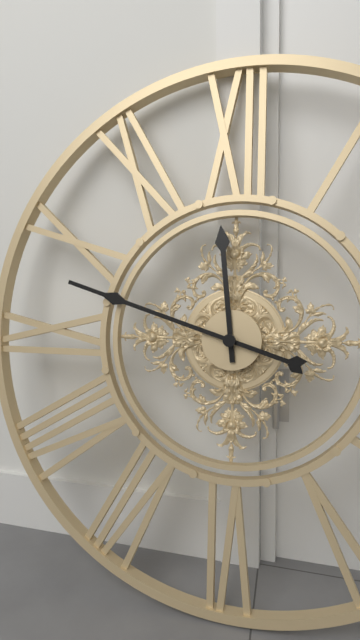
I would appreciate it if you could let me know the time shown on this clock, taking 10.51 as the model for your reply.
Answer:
11.48
